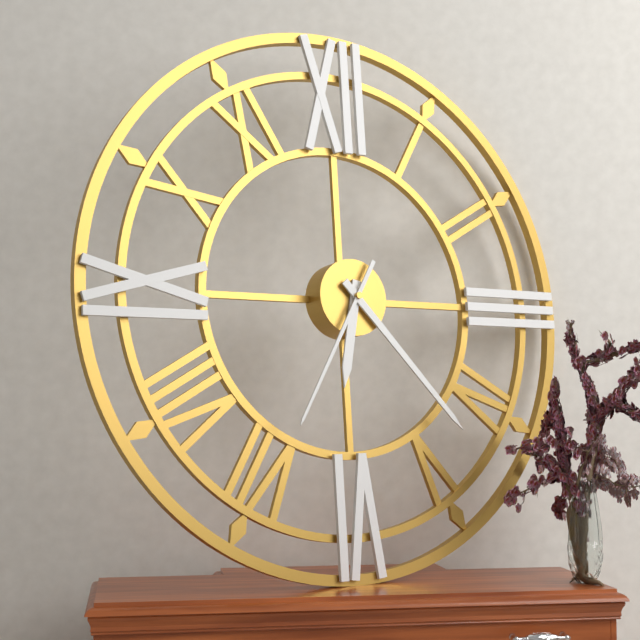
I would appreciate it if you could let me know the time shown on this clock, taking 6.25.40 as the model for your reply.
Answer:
6.23.35
